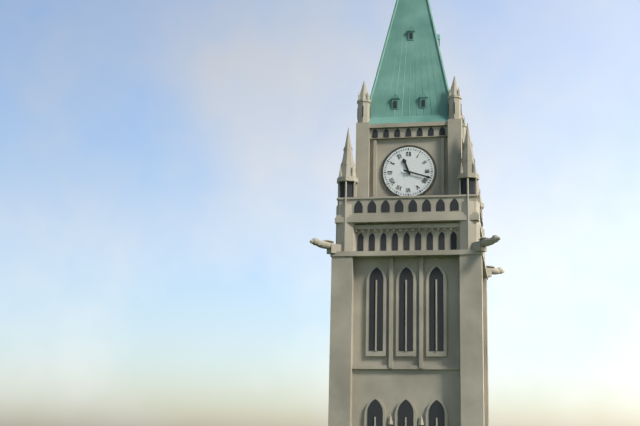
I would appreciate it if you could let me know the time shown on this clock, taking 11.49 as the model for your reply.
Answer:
11.18
